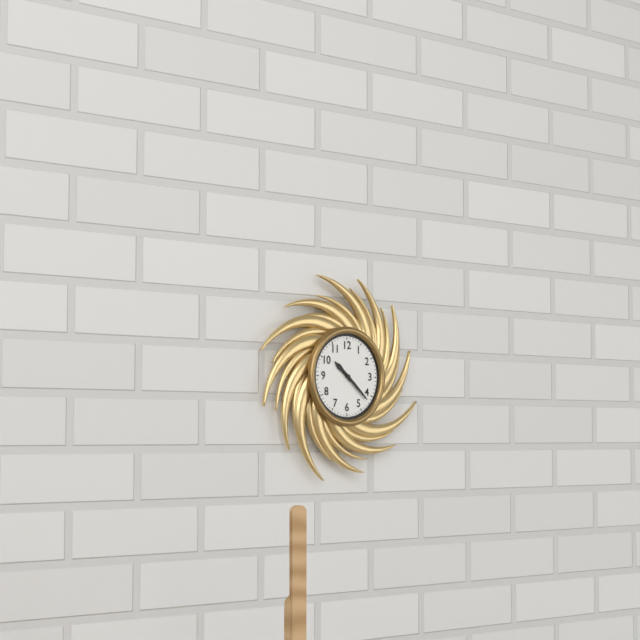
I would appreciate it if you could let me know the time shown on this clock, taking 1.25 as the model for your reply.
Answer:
10.22
